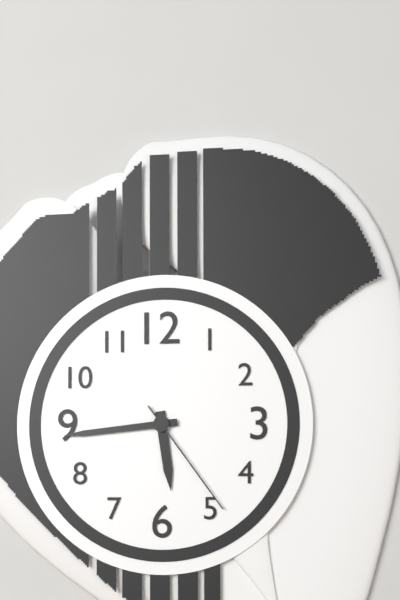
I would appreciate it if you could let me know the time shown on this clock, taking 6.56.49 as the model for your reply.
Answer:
5.44.24
